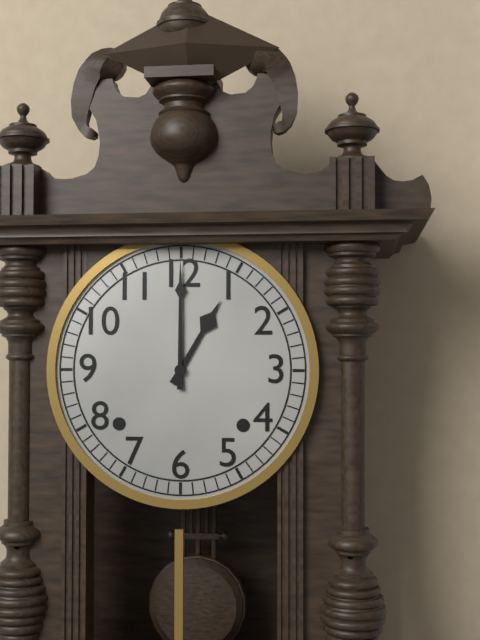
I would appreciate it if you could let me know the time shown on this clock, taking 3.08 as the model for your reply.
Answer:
1.00
